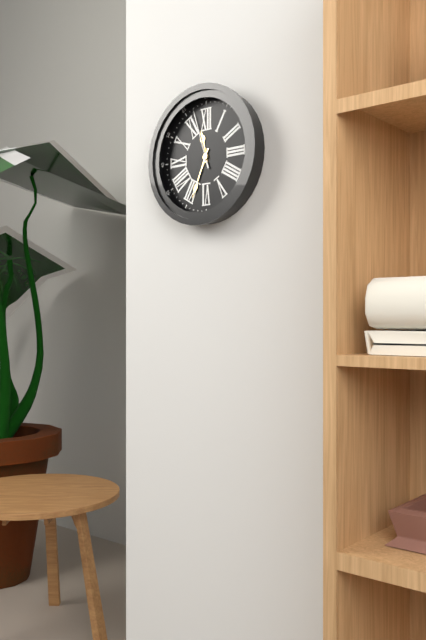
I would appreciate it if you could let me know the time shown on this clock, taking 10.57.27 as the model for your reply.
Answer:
11.34.57
